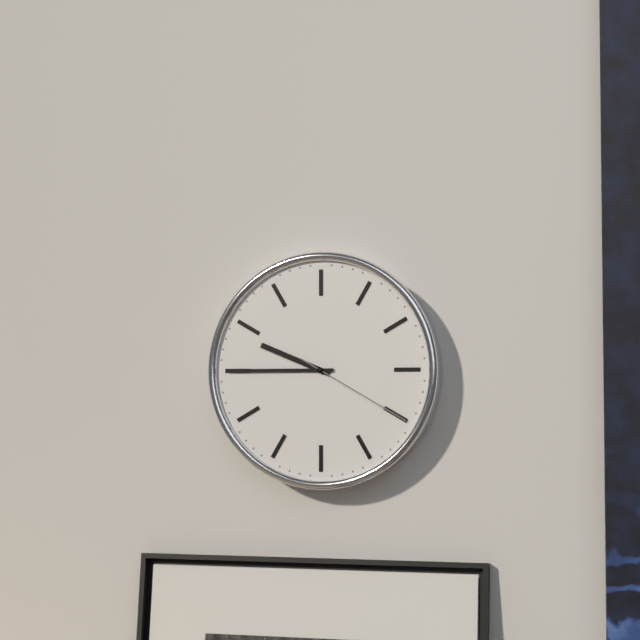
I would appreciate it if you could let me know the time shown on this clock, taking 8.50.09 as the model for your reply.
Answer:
9.45.20
